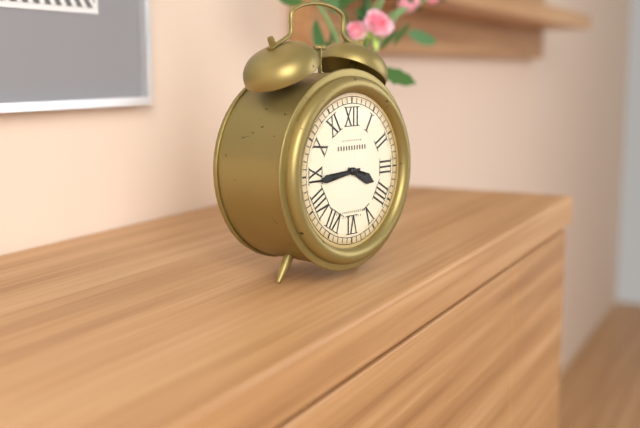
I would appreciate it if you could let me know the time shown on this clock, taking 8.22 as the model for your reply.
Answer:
3.44
